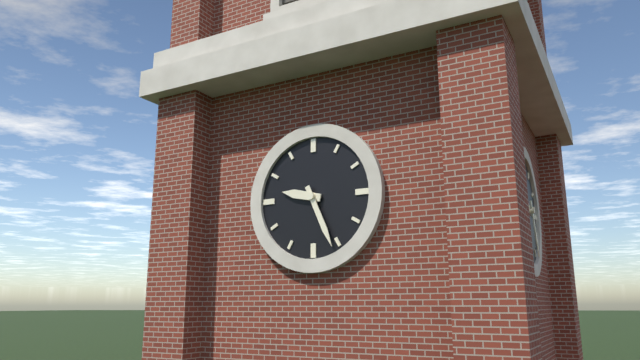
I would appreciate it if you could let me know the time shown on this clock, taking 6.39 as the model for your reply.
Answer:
9.26
